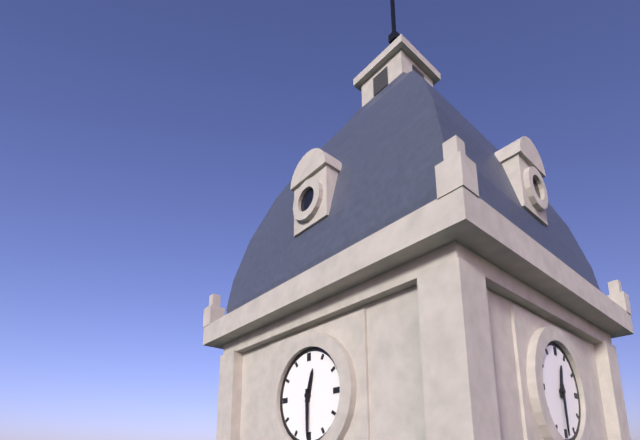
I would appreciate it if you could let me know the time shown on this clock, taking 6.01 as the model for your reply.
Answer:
12.30
